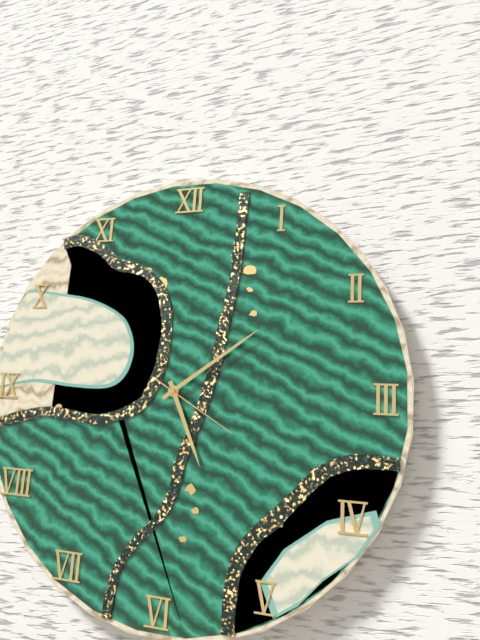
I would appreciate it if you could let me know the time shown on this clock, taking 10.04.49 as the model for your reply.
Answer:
5.09.20
